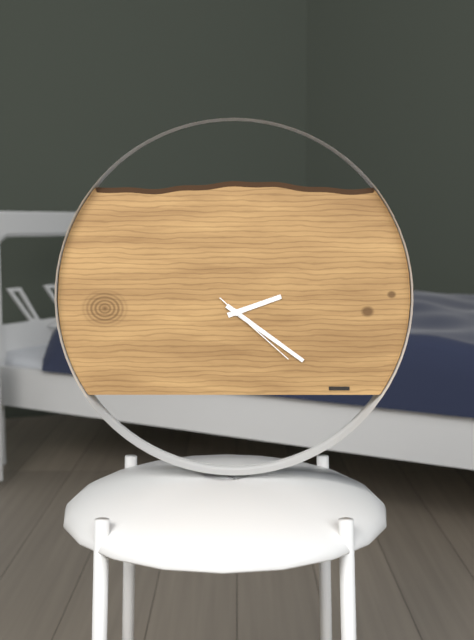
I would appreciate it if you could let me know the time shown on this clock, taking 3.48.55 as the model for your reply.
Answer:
2.21.22
